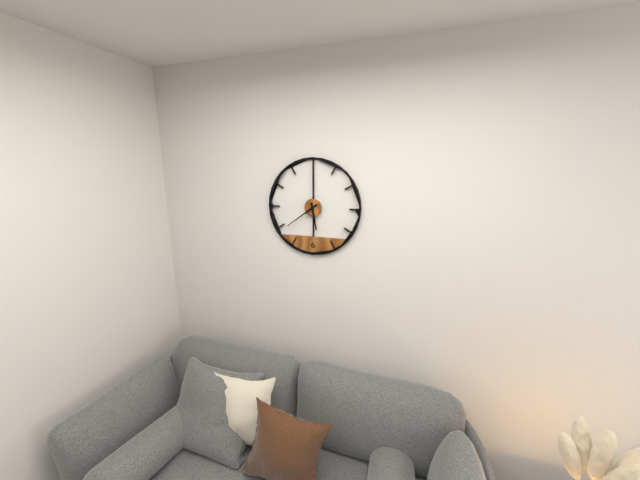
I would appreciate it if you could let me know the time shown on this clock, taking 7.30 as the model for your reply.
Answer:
5.39
